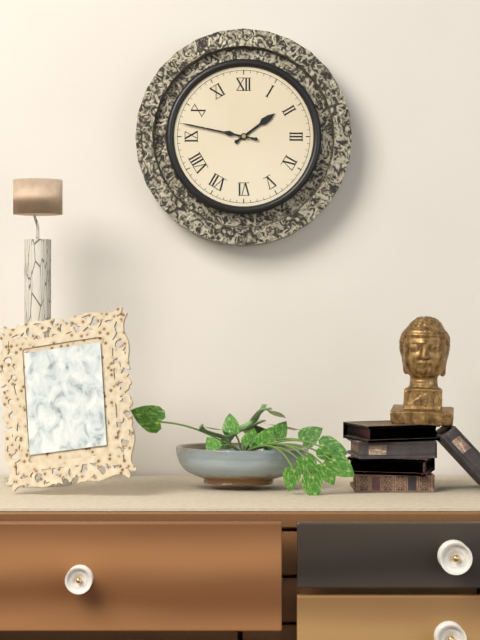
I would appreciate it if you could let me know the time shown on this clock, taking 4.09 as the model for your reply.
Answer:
1.47
